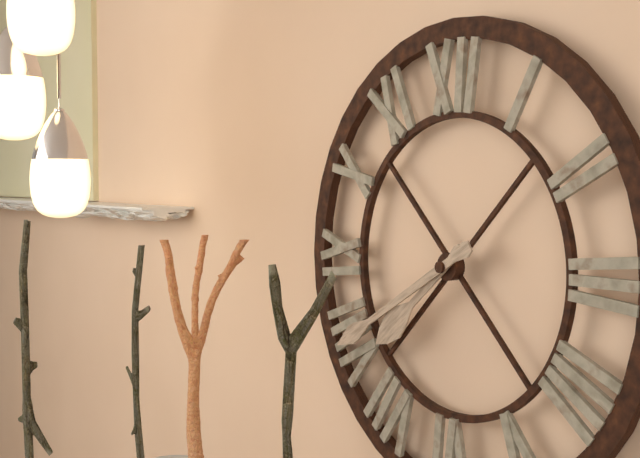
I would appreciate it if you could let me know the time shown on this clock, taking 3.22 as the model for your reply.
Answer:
7.40
